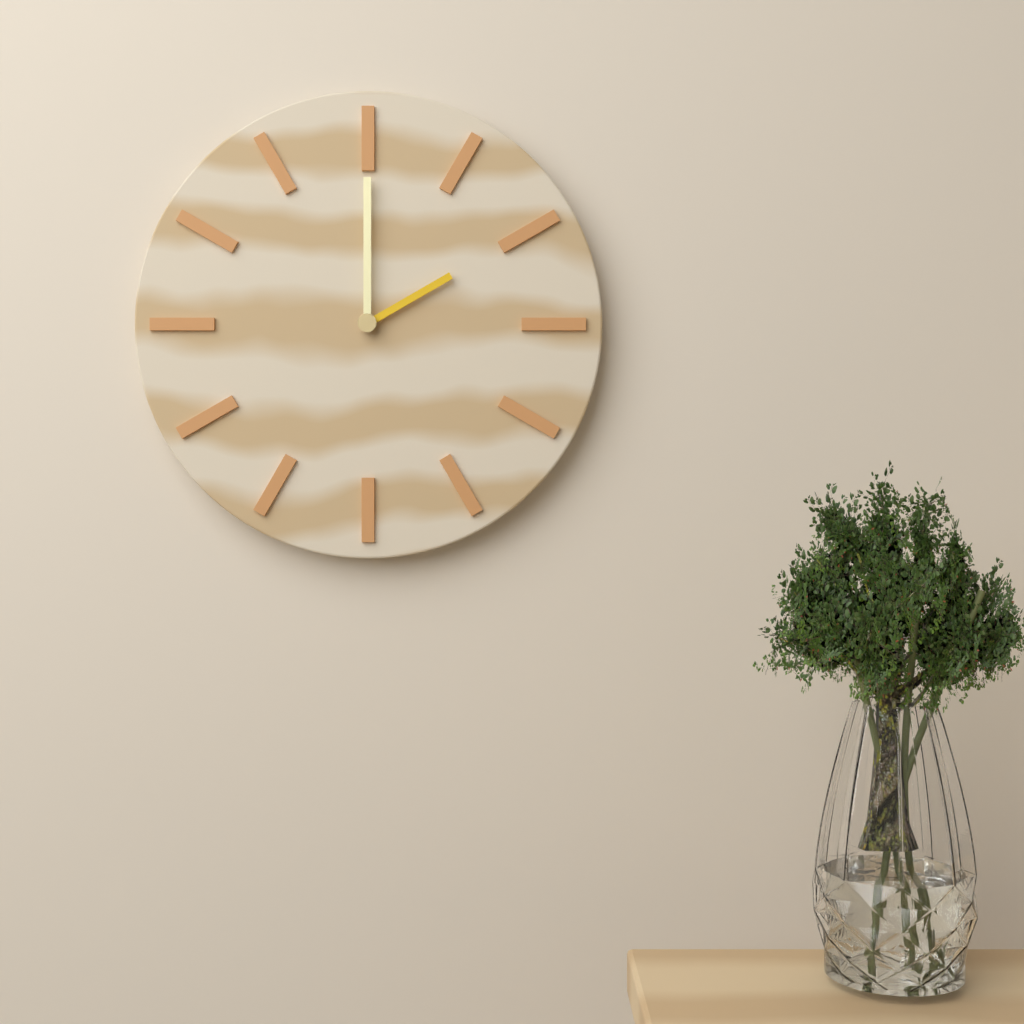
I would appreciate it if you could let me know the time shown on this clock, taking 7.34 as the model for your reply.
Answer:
2.00
